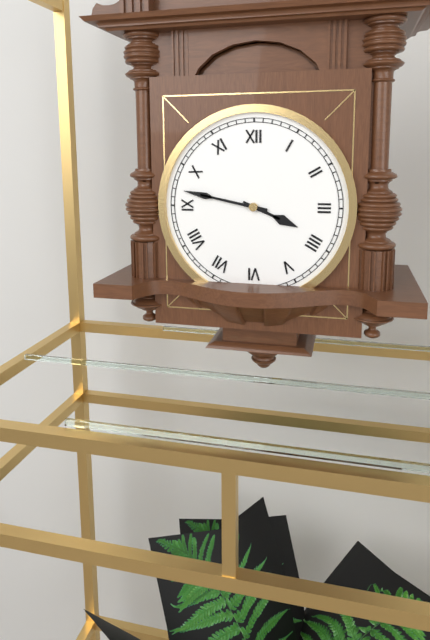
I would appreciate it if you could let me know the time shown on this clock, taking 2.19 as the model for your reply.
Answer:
3.47
